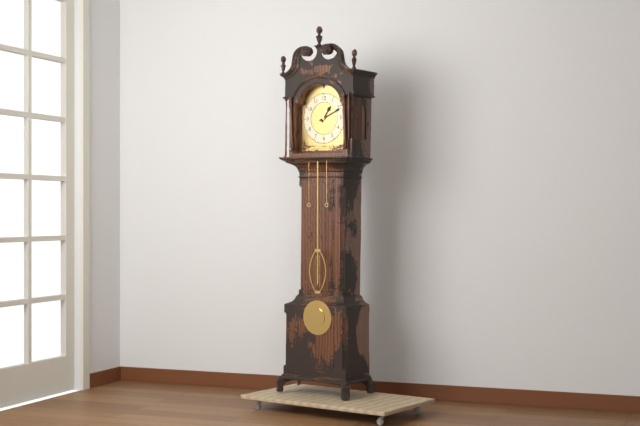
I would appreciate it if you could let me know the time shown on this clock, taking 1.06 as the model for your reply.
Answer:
1.11
